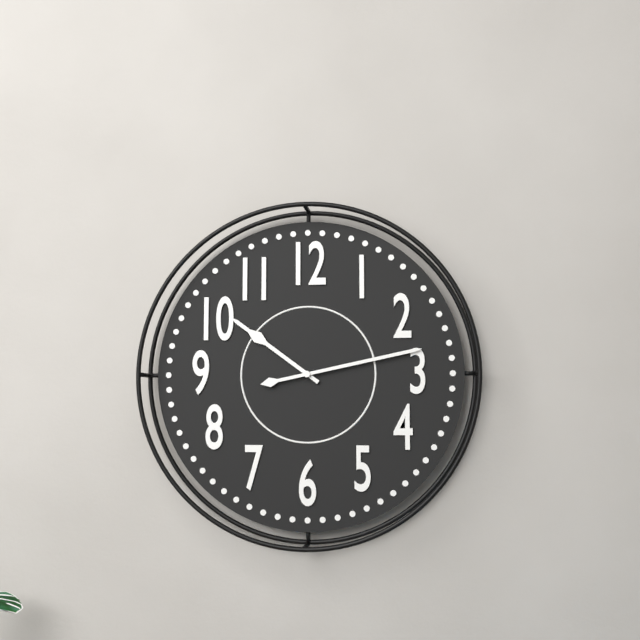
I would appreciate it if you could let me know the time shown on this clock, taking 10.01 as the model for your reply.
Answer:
10.13
